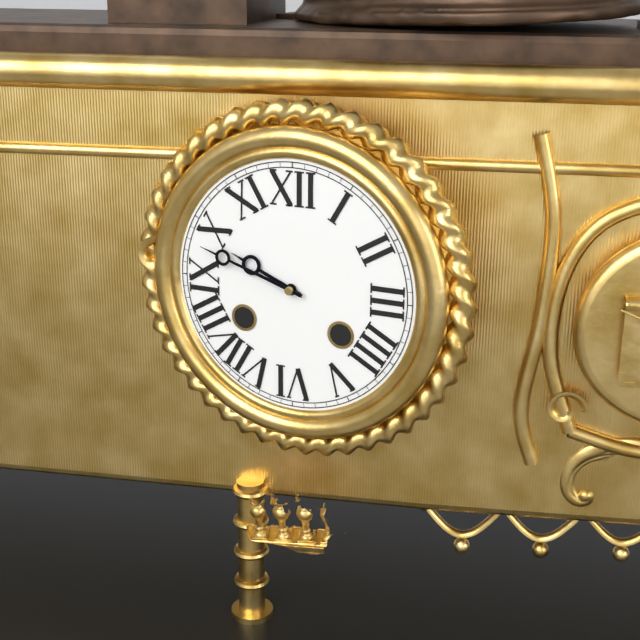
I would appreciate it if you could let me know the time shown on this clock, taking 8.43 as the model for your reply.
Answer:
9.48
